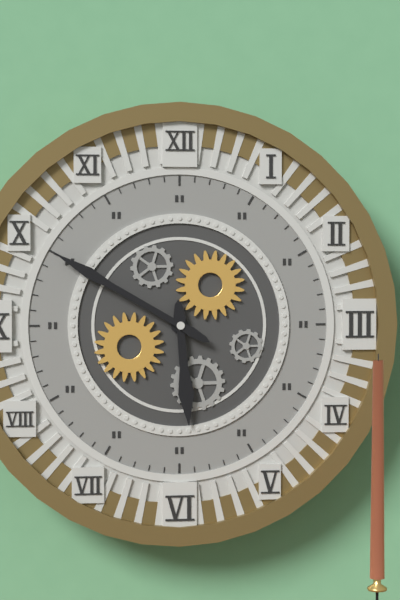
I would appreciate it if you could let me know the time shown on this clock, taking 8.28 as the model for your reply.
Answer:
5.50
